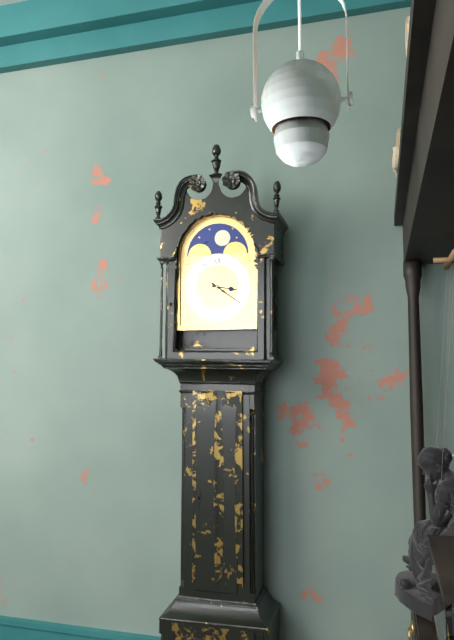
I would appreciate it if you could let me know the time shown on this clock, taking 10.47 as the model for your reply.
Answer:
3.21
